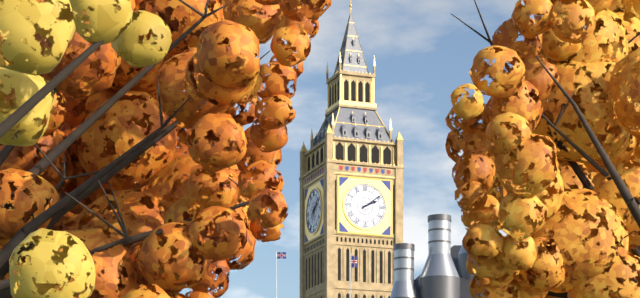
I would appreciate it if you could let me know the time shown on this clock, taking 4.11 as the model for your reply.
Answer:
2.09
